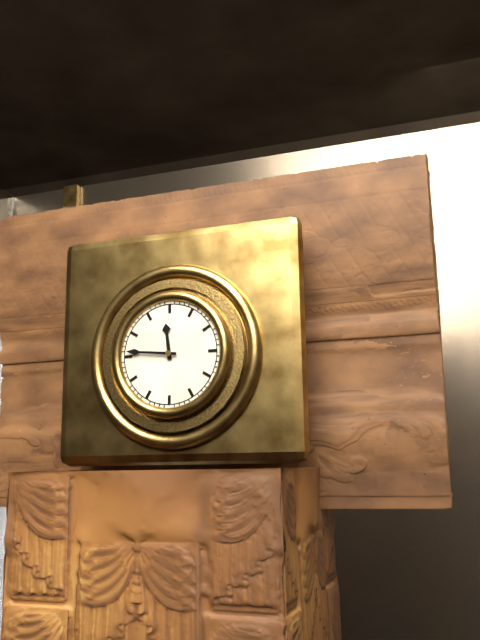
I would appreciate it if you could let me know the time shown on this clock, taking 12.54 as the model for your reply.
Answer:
11.46
